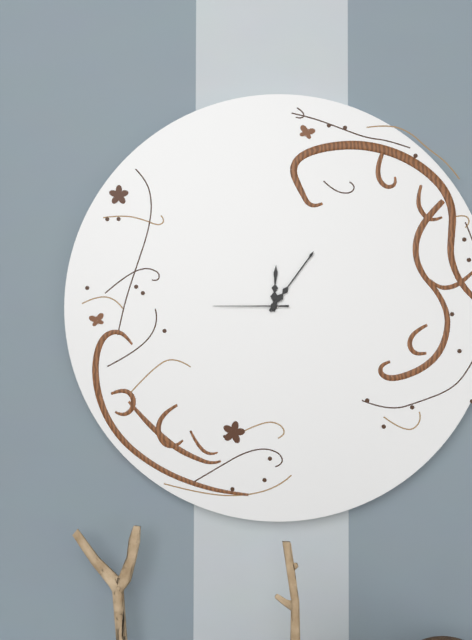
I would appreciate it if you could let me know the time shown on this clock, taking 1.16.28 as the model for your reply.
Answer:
12.06.45
